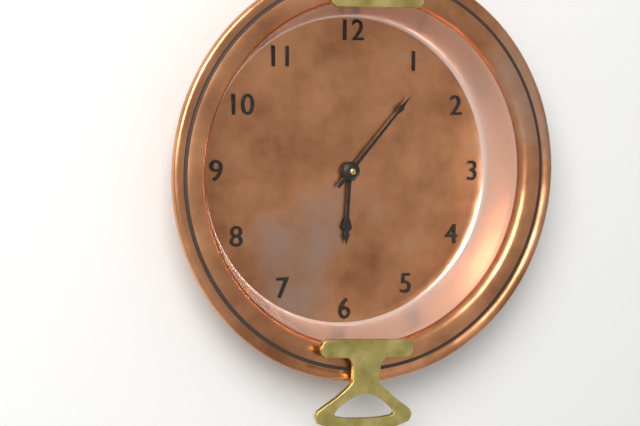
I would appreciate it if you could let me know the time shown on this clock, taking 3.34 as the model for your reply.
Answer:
6.07
